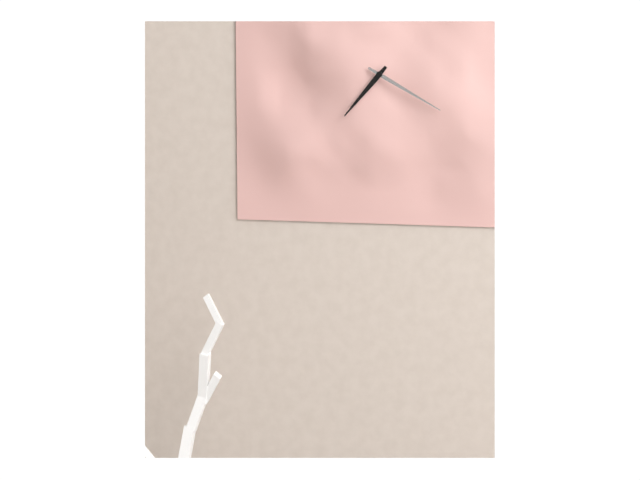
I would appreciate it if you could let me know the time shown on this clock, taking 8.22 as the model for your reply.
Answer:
7.20
